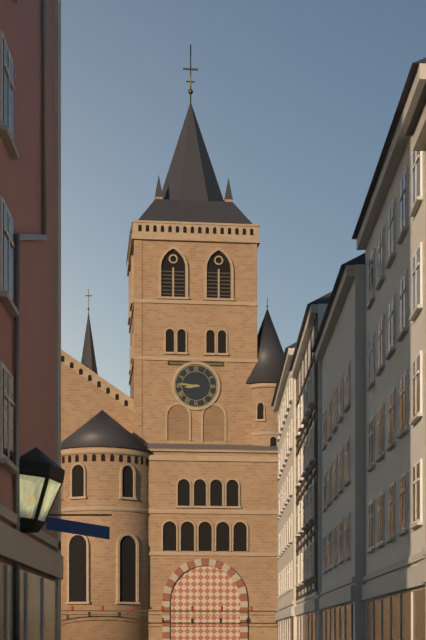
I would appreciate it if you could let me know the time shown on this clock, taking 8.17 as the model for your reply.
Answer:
8.46
